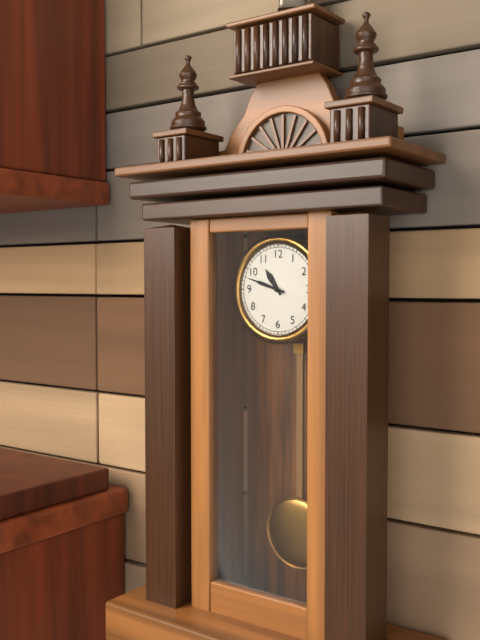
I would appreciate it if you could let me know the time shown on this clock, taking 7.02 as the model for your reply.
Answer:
10.48
